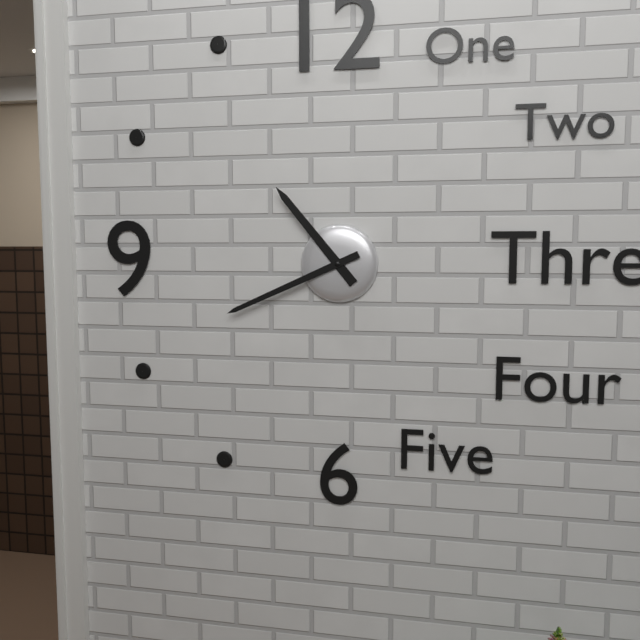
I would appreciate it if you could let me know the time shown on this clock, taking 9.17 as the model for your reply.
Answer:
10.41
